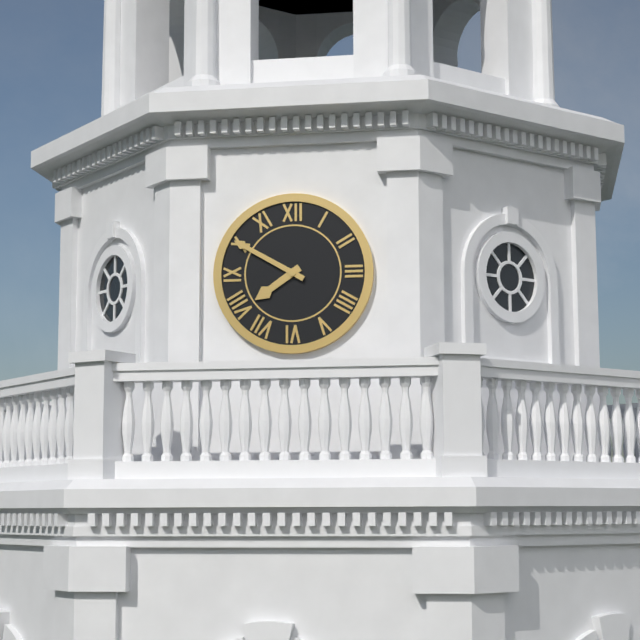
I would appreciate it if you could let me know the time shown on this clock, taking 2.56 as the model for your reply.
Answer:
7.50
